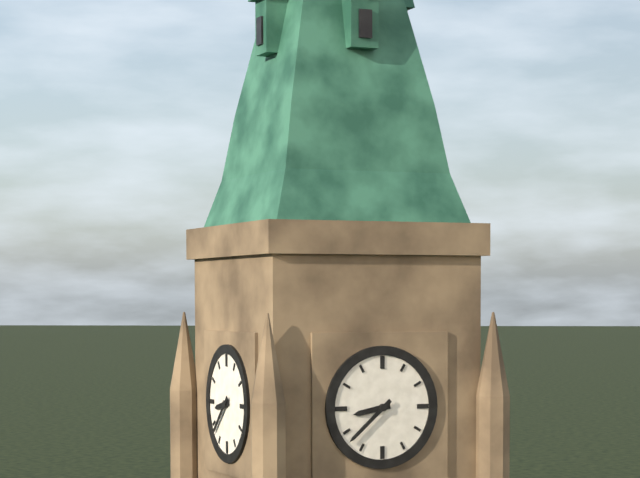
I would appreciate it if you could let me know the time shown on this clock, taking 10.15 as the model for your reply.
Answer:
8.38
